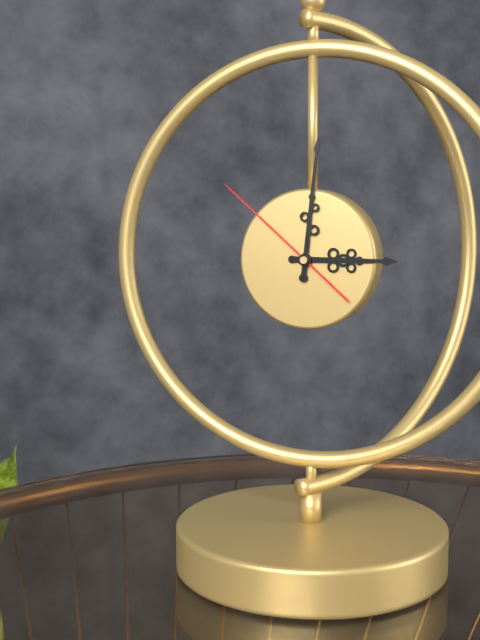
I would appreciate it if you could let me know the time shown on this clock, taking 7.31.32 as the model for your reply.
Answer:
3.01.52
